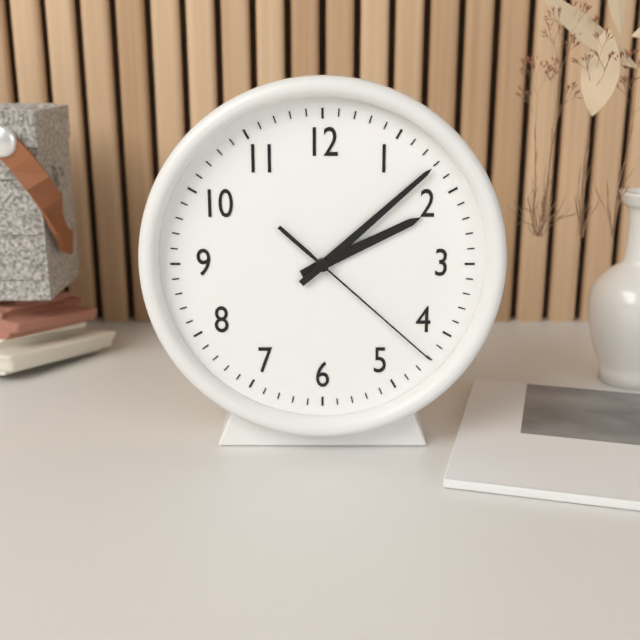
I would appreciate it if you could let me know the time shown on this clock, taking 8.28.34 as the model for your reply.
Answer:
2.08.22
